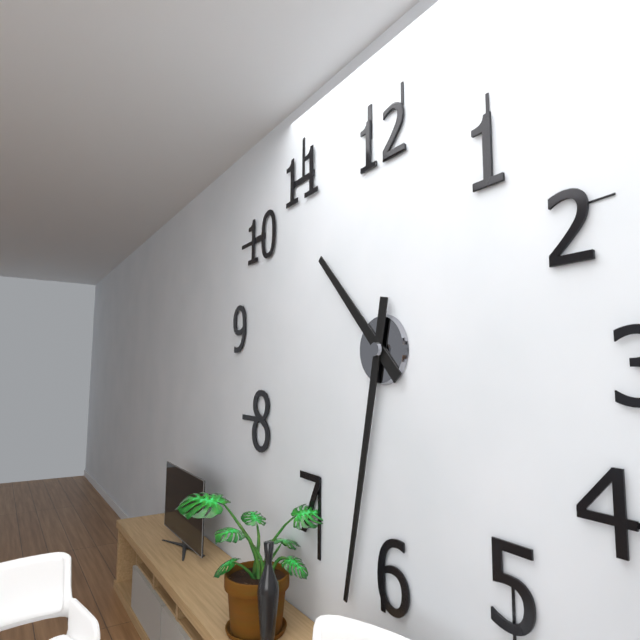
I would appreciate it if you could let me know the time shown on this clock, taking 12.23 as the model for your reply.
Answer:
10.32
